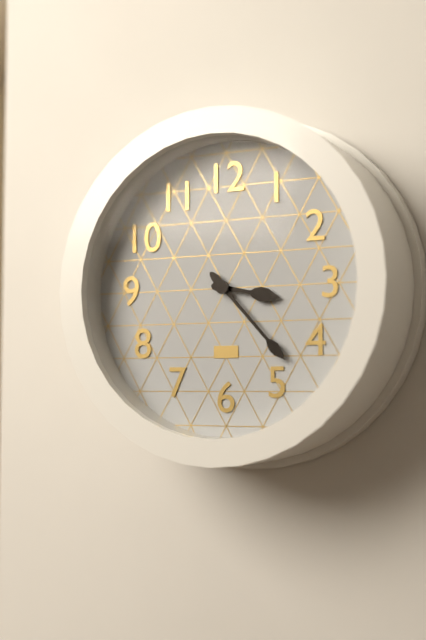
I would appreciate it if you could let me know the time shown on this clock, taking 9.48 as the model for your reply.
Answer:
3.23
